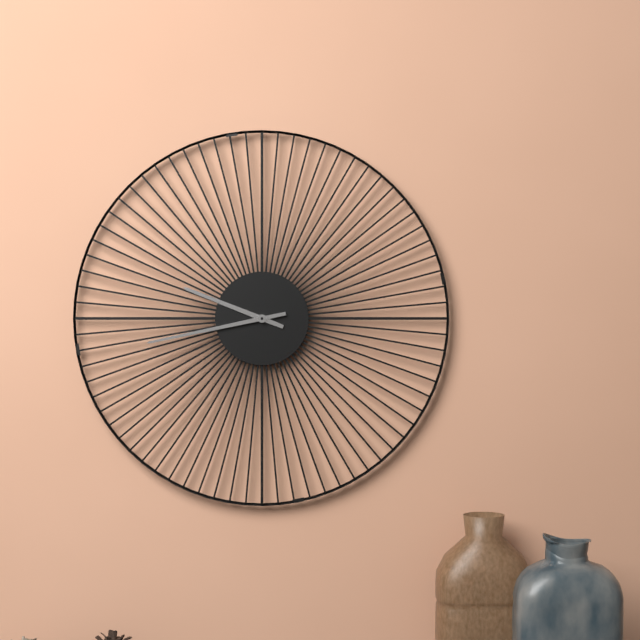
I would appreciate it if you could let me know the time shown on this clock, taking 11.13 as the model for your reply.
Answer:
9.43
